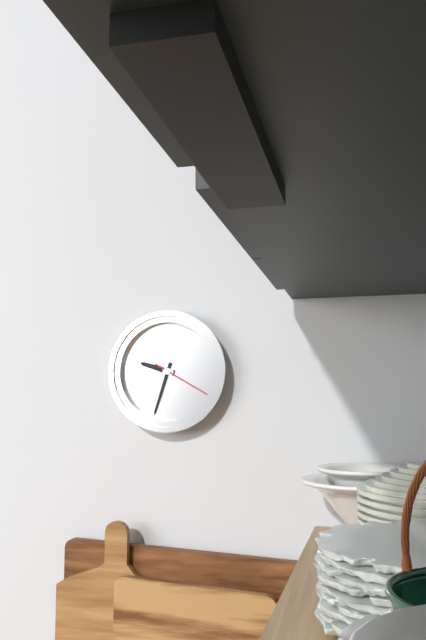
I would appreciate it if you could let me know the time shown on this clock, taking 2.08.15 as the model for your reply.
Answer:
9.33.20
